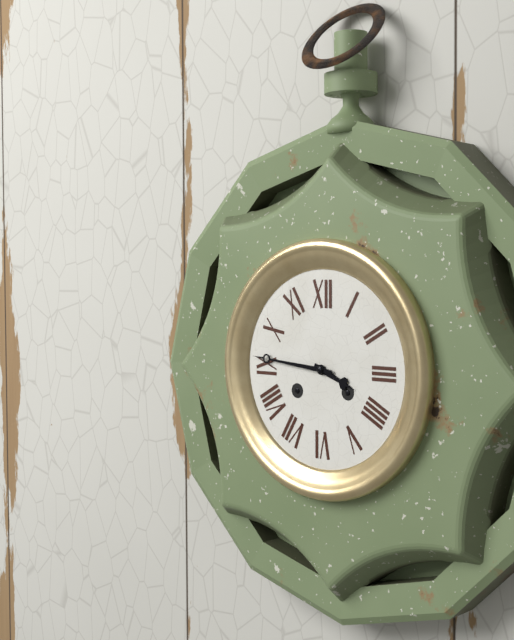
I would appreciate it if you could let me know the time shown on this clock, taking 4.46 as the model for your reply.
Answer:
3.46
